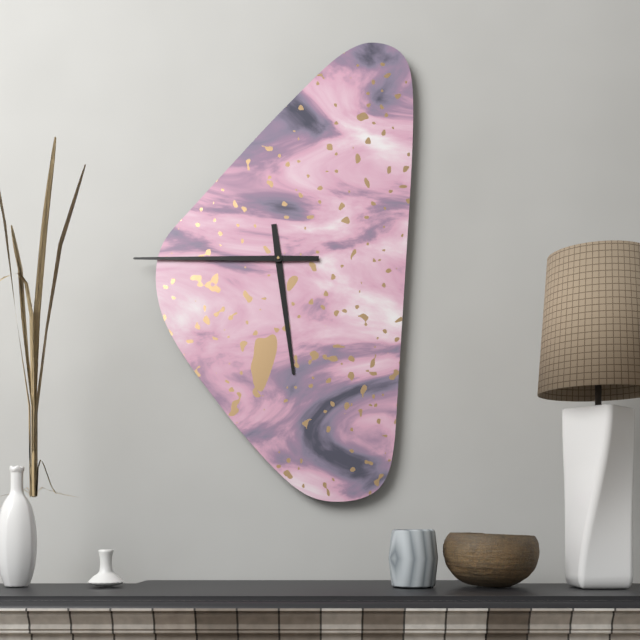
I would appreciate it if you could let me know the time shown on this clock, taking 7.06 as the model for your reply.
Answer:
5.45
